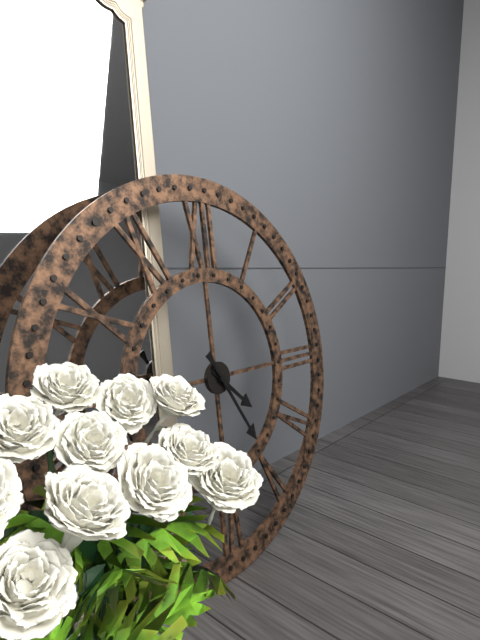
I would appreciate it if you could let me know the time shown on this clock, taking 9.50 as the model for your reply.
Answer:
4.25
